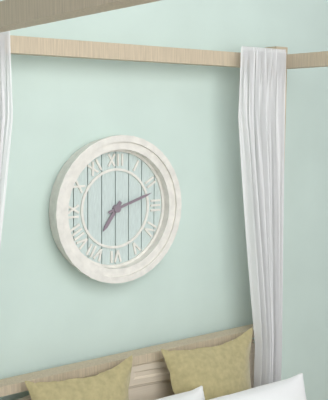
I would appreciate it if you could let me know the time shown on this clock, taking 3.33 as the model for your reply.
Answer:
7.12
